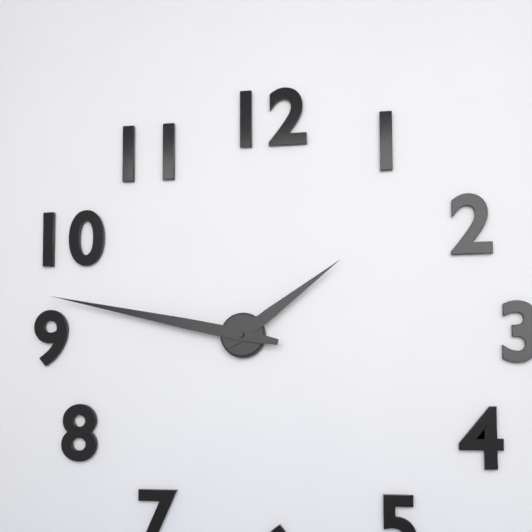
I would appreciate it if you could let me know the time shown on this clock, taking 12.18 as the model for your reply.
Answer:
1.47
